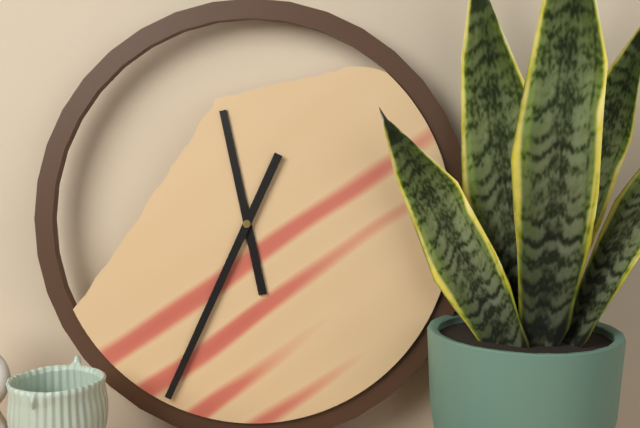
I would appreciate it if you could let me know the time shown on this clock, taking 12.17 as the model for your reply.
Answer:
11.34
